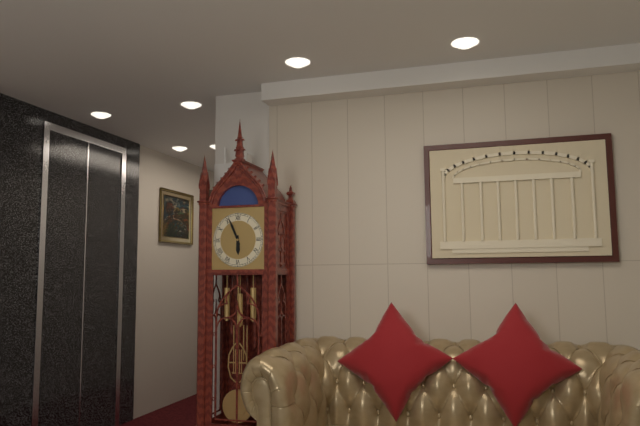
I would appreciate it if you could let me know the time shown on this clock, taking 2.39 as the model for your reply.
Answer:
5.56
